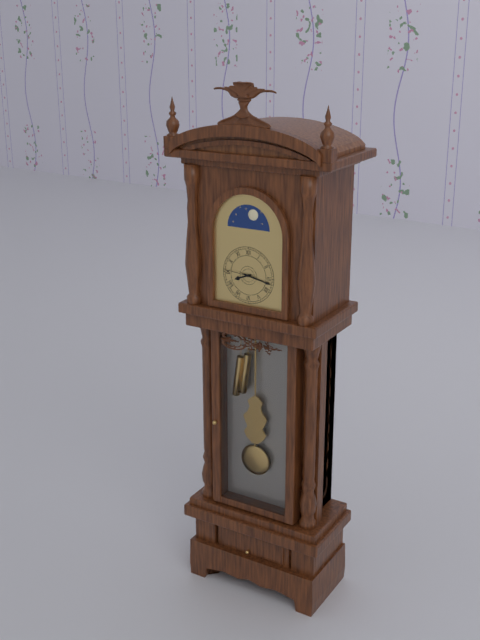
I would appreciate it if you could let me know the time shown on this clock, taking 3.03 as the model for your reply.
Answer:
8.17
